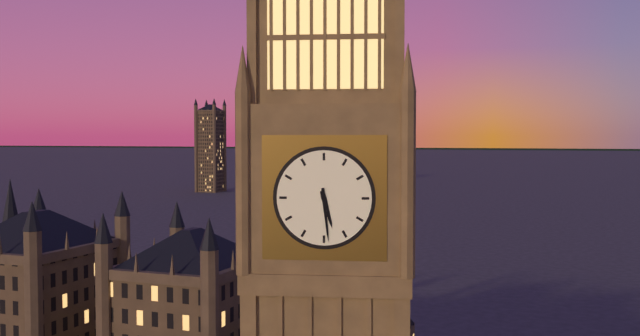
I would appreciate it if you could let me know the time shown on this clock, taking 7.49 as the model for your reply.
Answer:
5.29
